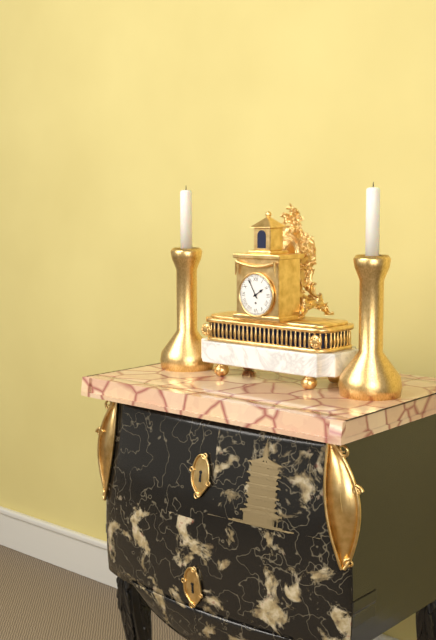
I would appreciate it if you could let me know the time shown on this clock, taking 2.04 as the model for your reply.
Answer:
1.55
